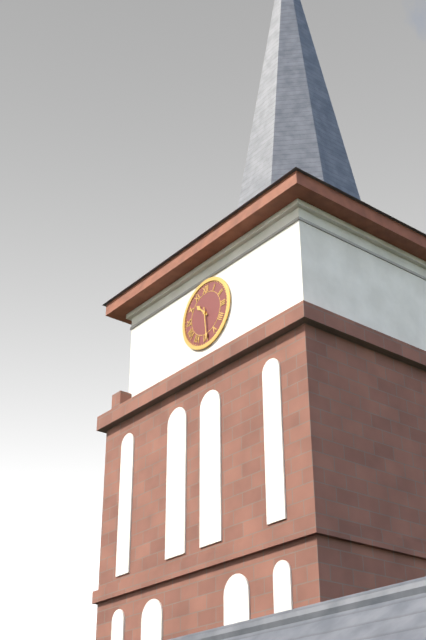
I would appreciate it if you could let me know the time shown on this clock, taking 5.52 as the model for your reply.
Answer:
10.29
